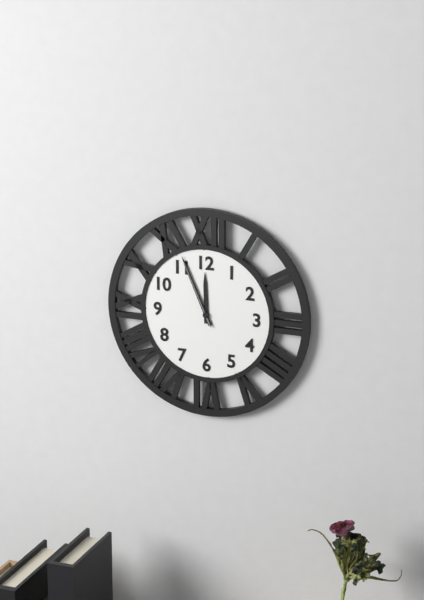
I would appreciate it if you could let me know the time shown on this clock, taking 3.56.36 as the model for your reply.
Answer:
11.56.56
